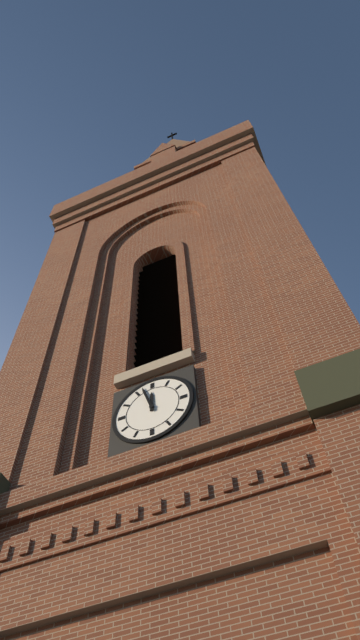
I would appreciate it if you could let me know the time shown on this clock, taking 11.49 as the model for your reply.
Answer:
11.57
